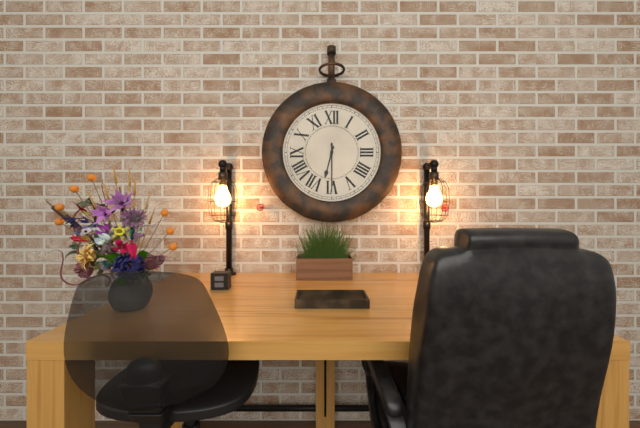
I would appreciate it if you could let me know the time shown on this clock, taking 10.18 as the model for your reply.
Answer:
6.30
